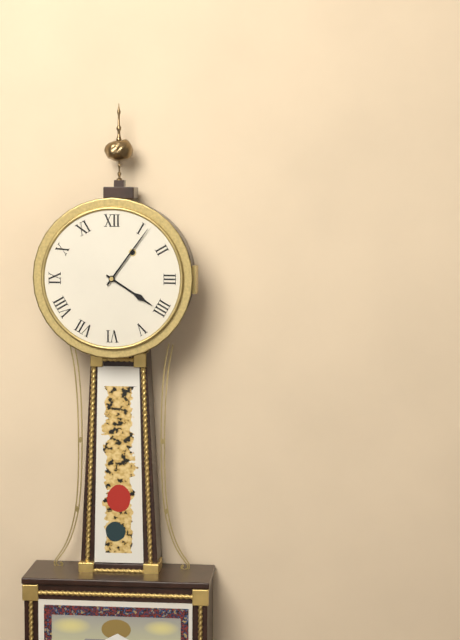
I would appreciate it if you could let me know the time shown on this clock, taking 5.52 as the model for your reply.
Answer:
4.06
